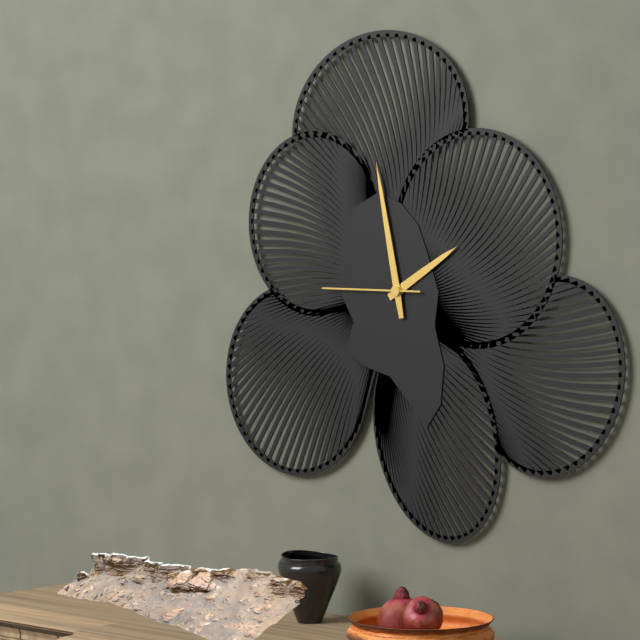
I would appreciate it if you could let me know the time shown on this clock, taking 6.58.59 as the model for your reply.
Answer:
1.58.45
